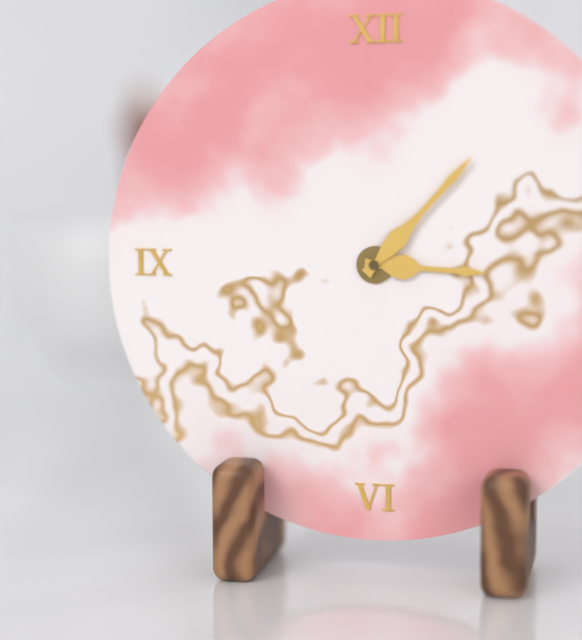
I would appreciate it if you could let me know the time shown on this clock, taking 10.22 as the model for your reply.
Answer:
3.07
